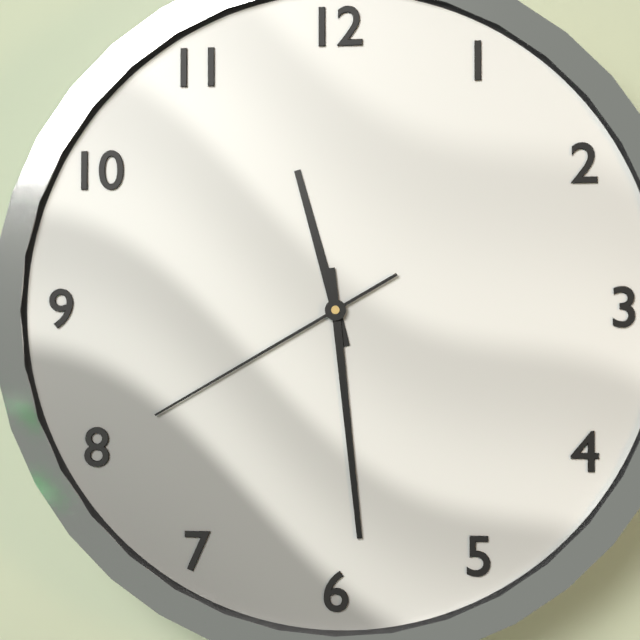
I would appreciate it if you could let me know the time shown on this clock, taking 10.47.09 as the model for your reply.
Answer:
11.29.40
